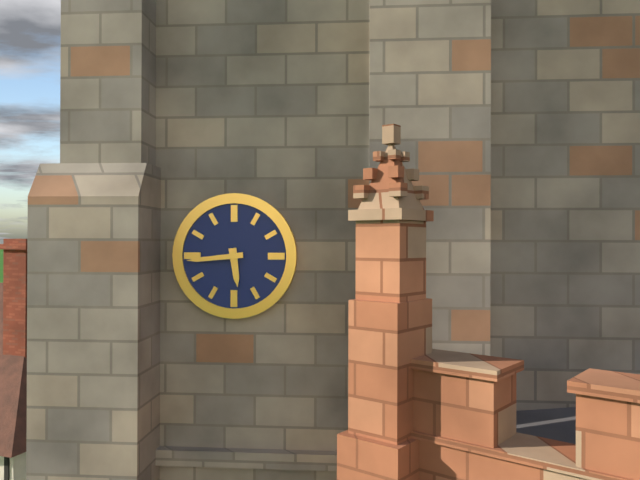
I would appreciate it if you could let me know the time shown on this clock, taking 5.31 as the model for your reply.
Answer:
5.44
